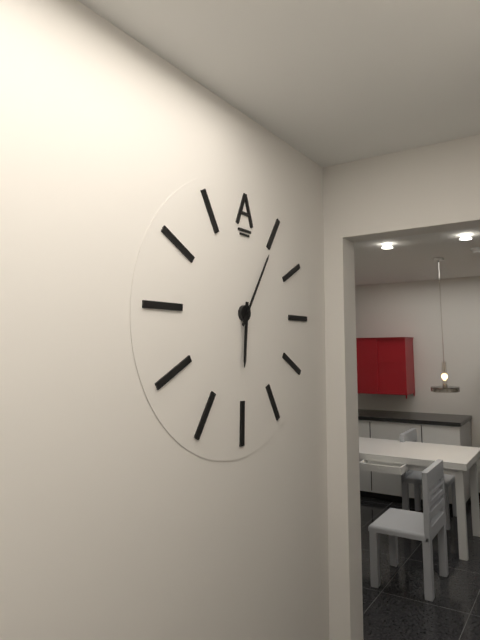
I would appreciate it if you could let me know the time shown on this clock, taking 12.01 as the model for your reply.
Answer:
6.05
